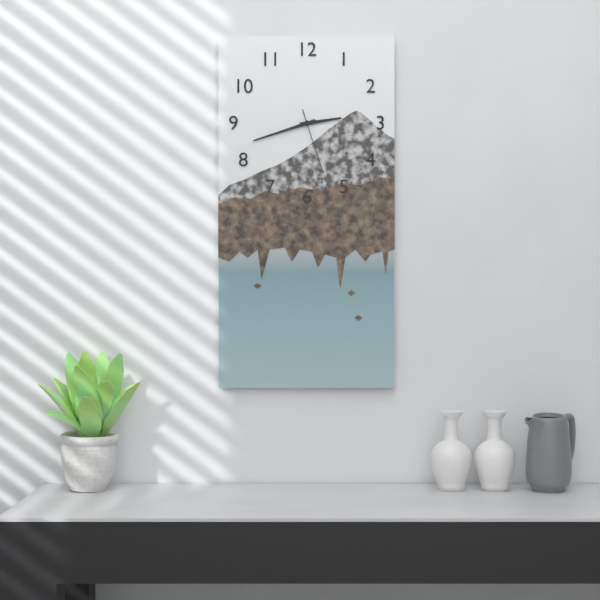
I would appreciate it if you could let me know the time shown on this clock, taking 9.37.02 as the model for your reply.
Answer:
2.42.27
